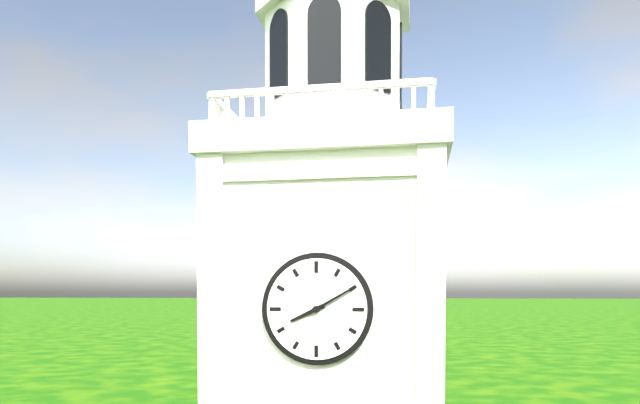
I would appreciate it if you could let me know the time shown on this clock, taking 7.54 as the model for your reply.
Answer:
8.10
